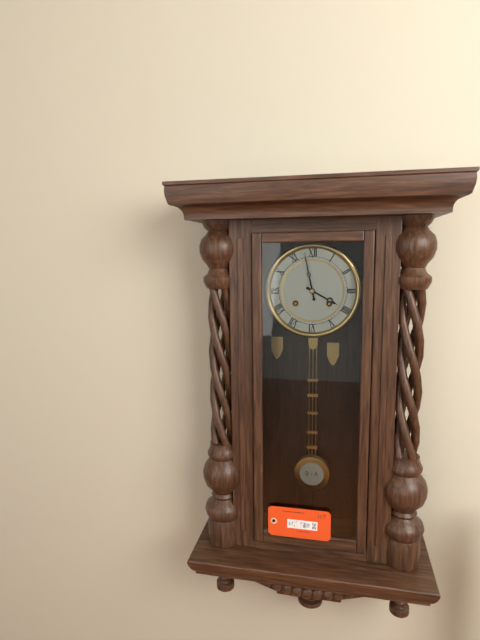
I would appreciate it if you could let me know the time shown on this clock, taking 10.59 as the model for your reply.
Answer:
3.58
